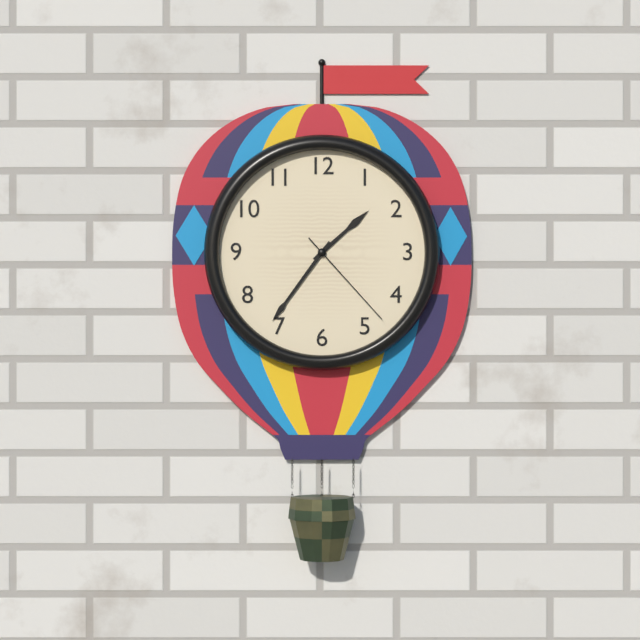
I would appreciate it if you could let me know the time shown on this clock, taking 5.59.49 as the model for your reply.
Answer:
1.36.23
